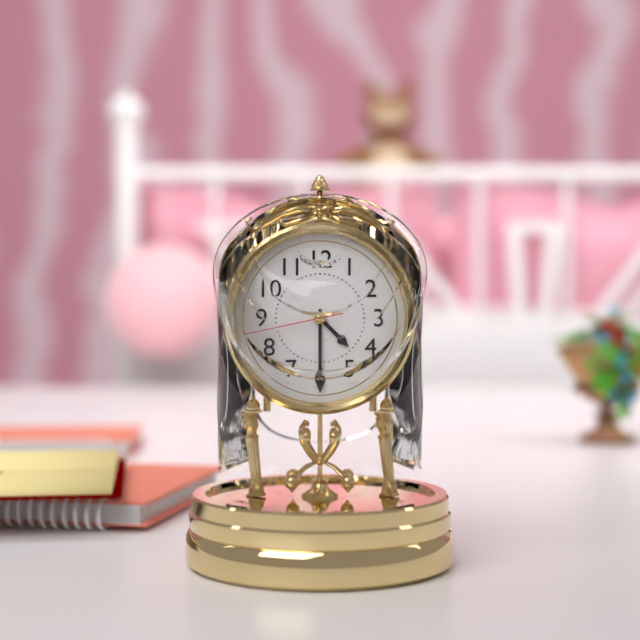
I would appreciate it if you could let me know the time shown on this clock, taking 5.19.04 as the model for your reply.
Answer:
4.30.43
